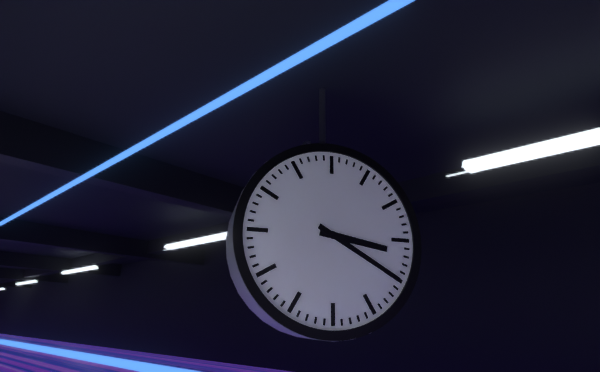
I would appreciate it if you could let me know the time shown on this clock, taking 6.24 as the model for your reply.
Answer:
3.20
